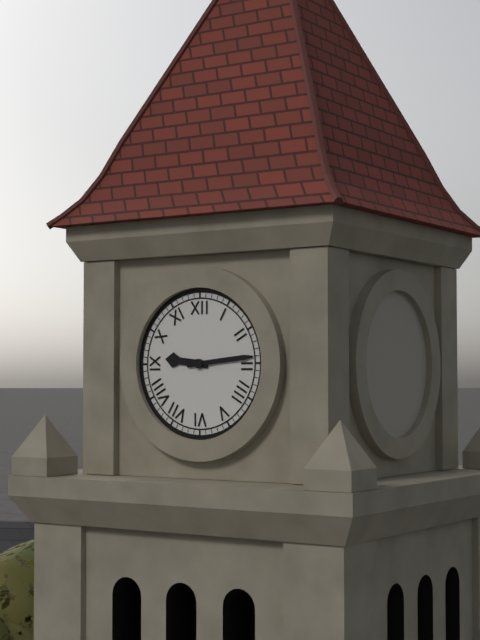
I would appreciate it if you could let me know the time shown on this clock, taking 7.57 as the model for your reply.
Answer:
9.14
